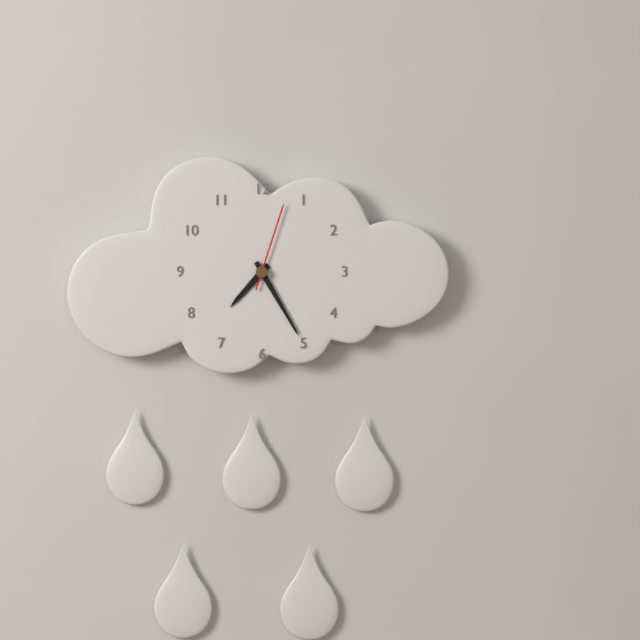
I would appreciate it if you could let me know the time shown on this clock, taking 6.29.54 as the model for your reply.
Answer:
7.25.03
